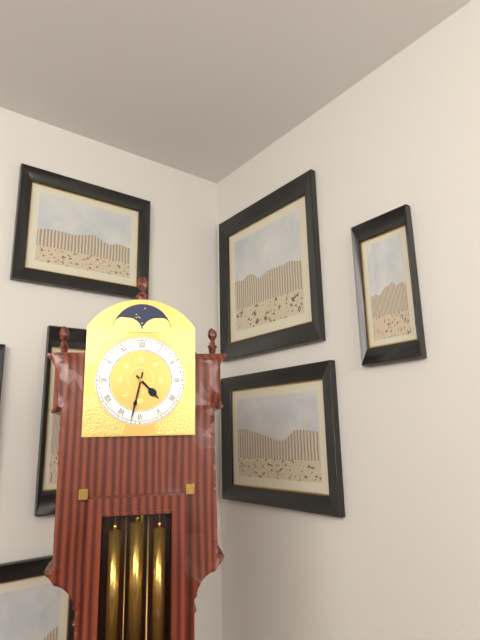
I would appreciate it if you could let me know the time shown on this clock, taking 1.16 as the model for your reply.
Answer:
4.32
